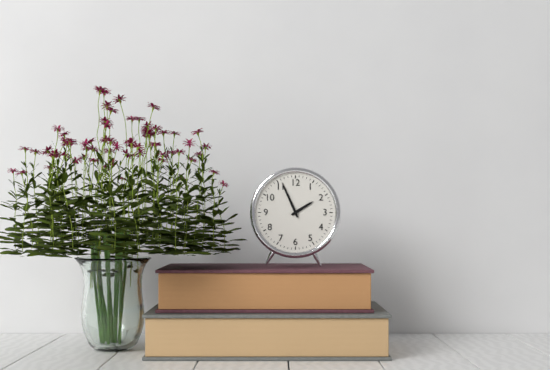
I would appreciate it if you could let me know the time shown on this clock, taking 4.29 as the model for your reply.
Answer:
1.56
